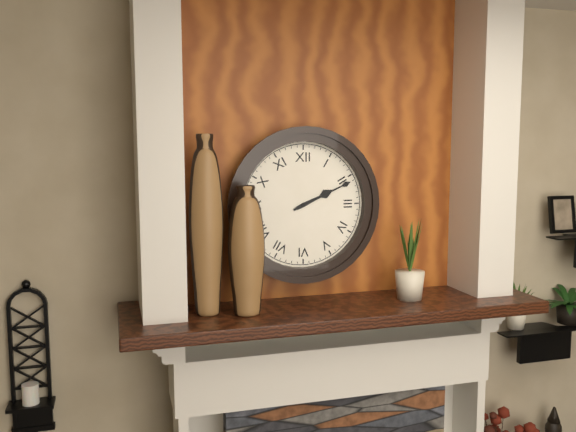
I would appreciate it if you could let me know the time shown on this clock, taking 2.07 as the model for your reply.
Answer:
2.11
